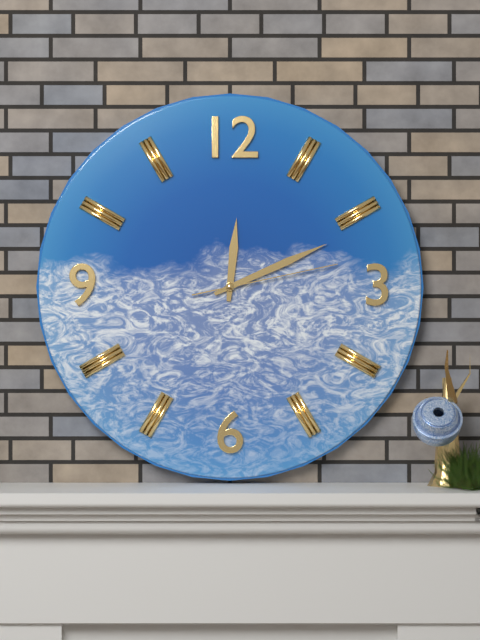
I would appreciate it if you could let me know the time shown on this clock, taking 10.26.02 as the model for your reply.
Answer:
12.11.13
